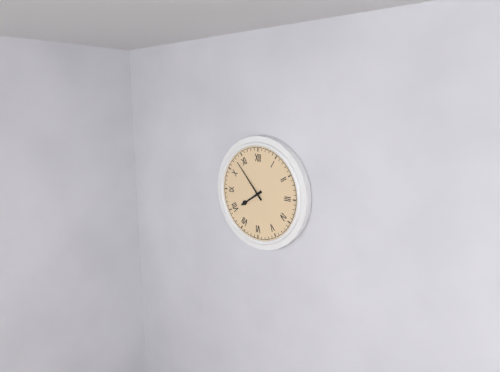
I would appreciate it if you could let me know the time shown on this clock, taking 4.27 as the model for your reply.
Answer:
7.53
